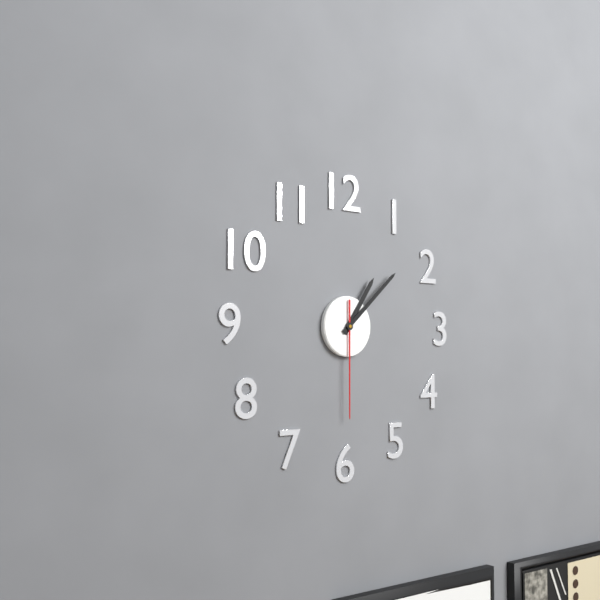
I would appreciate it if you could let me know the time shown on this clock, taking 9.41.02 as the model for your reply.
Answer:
1.08.30
